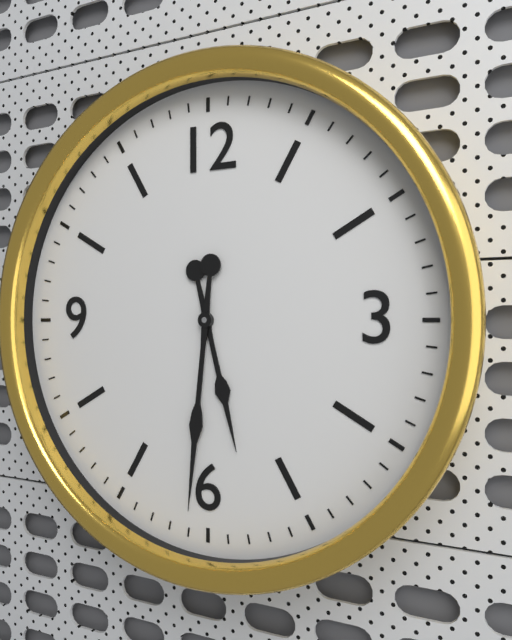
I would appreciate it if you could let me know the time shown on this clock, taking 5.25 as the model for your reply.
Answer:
5.31
